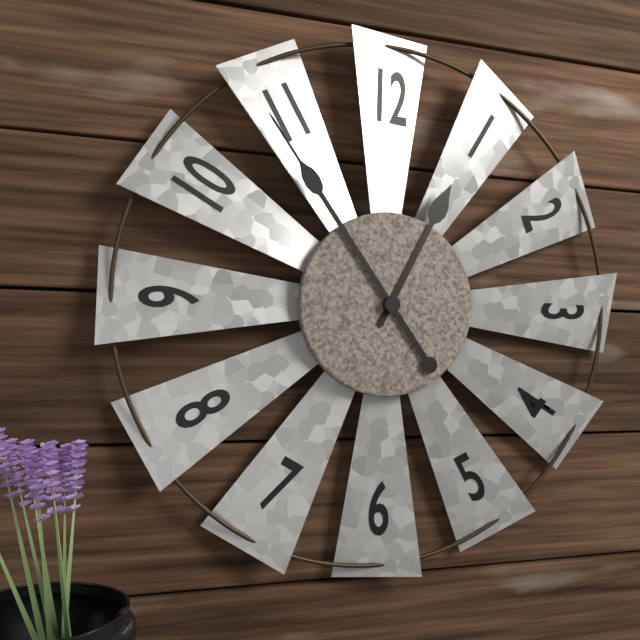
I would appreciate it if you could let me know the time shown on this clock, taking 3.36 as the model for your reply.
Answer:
12.54
